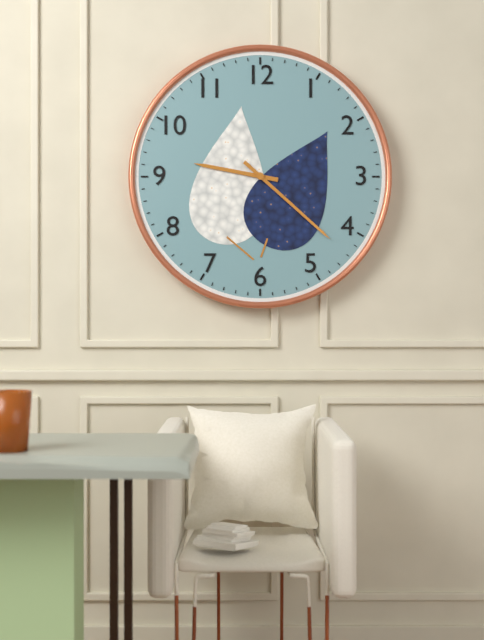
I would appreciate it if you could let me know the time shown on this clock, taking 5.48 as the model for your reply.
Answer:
9.22
